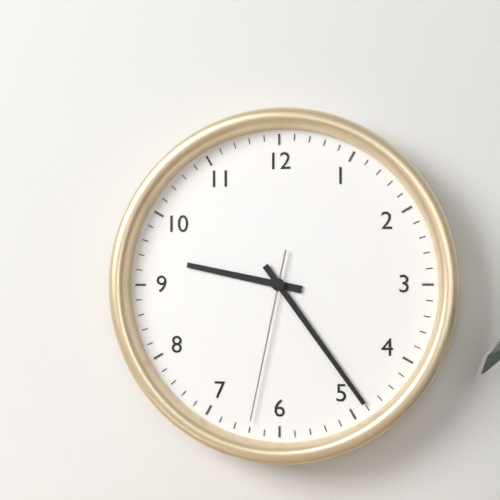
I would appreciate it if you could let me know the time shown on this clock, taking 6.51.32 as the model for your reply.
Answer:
9.24.32
